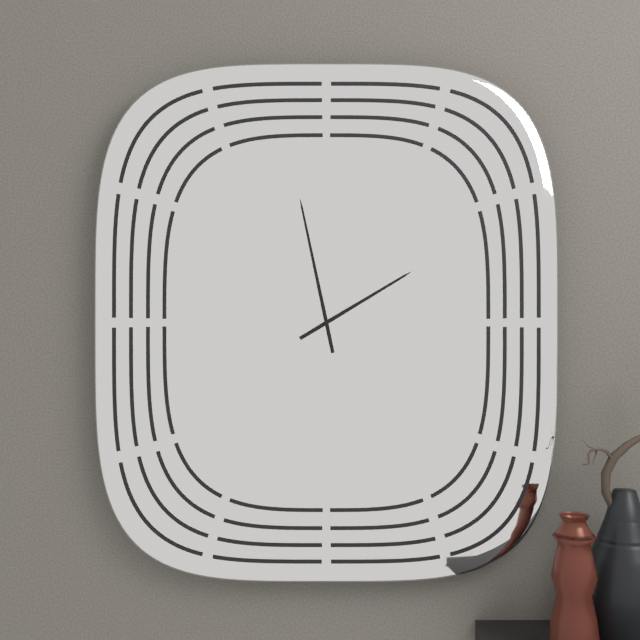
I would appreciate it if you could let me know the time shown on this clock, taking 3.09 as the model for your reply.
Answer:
1.58
